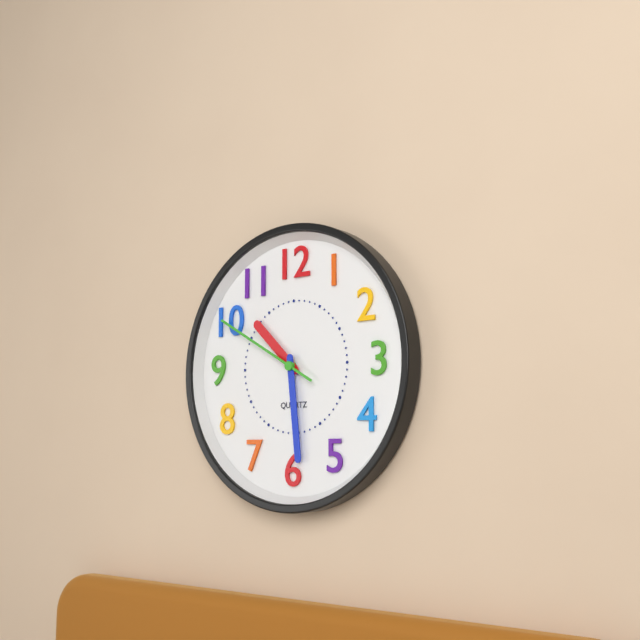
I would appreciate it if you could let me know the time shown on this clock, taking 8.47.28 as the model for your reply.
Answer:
10.29.50
